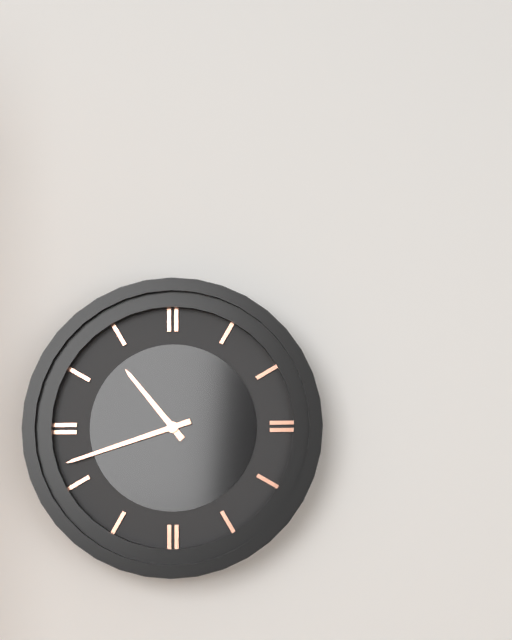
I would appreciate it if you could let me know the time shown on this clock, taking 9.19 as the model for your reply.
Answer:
10.42
